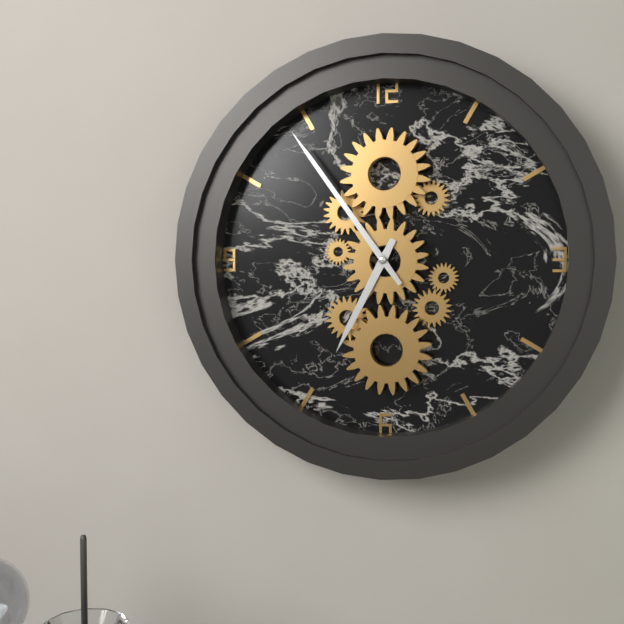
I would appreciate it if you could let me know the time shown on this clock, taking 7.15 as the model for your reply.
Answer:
6.54
